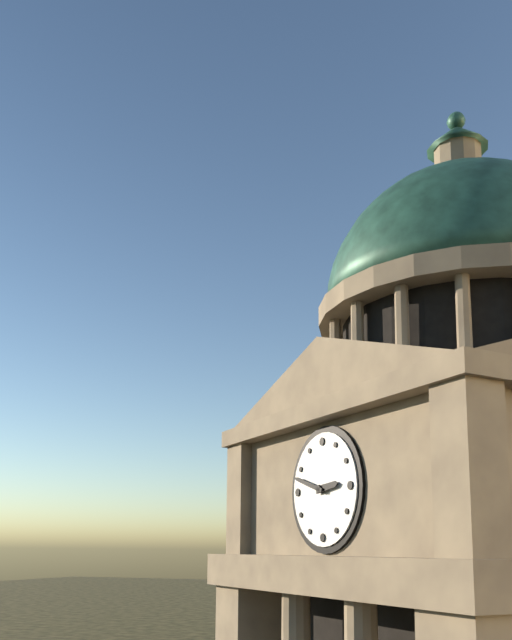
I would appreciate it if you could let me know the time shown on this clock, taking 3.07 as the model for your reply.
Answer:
2.48
